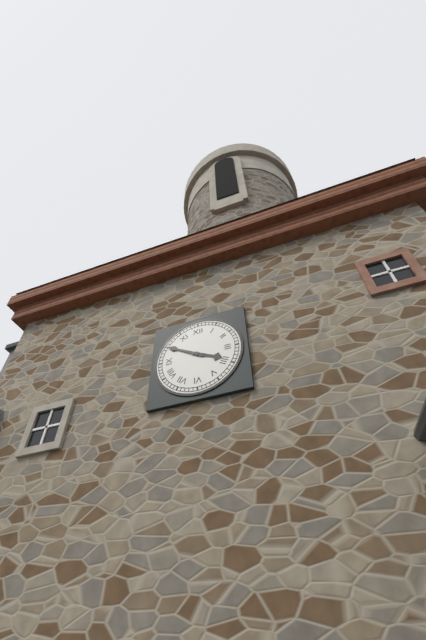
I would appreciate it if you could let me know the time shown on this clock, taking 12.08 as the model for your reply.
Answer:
3.50
